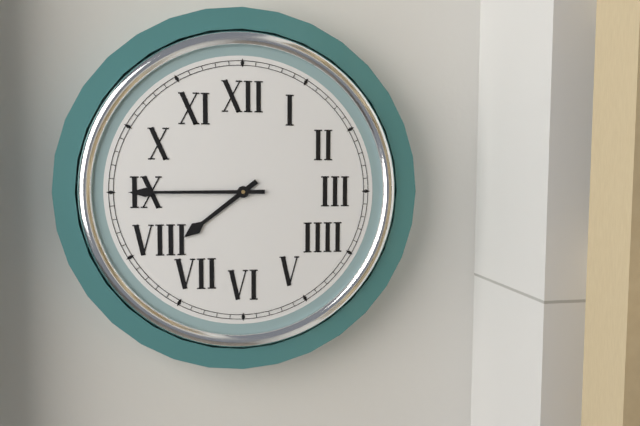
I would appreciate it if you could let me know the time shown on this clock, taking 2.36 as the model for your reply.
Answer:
7.45
